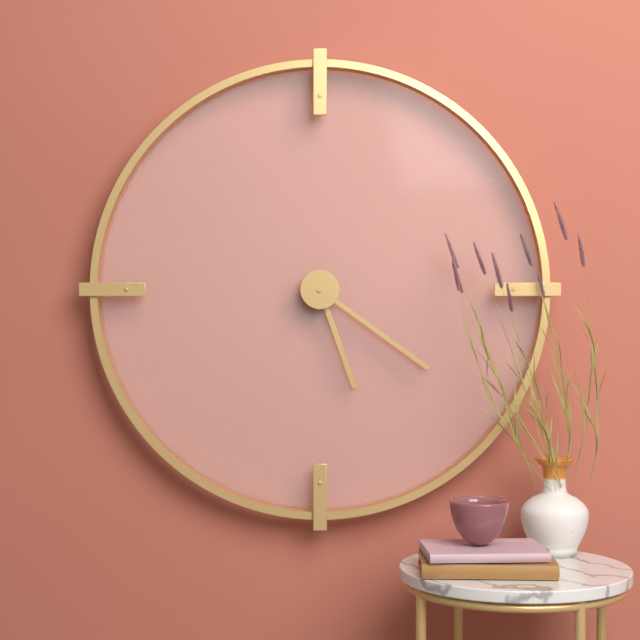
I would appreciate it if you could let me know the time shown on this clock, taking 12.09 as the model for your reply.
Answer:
5.21
